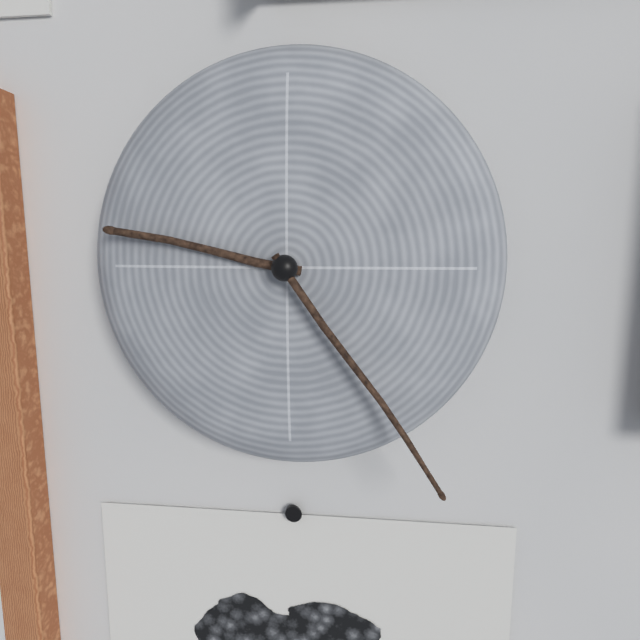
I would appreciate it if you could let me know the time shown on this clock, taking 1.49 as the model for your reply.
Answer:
9.24
